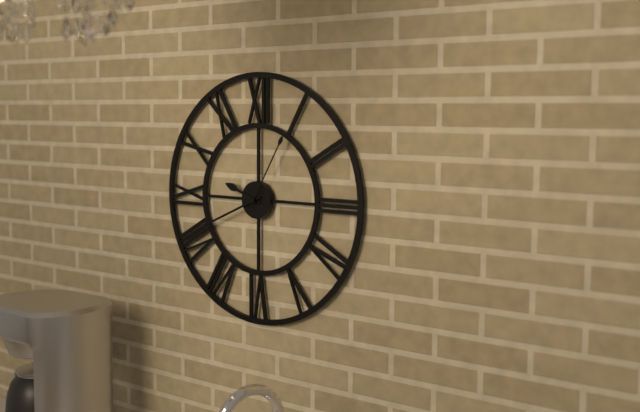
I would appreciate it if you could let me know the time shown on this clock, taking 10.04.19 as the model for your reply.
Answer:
9.41.05
